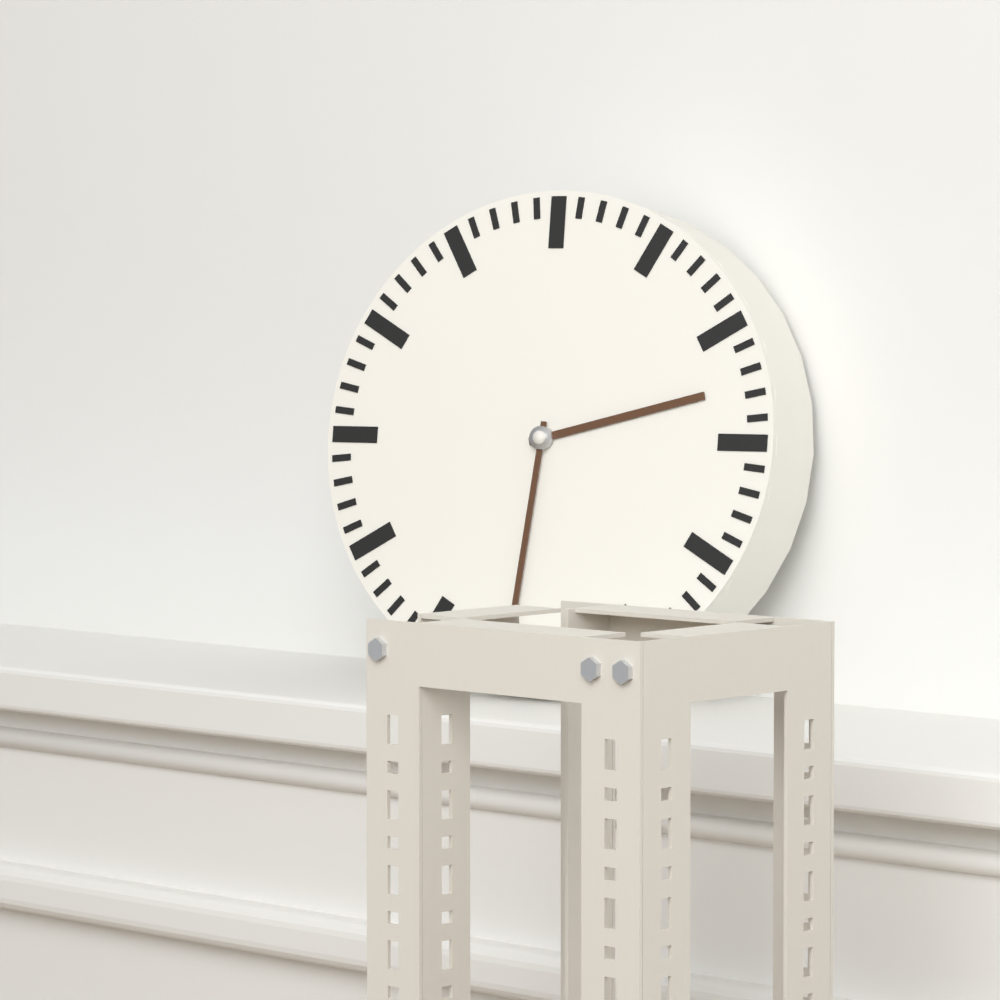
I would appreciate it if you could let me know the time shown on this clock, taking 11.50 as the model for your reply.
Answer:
2.31
